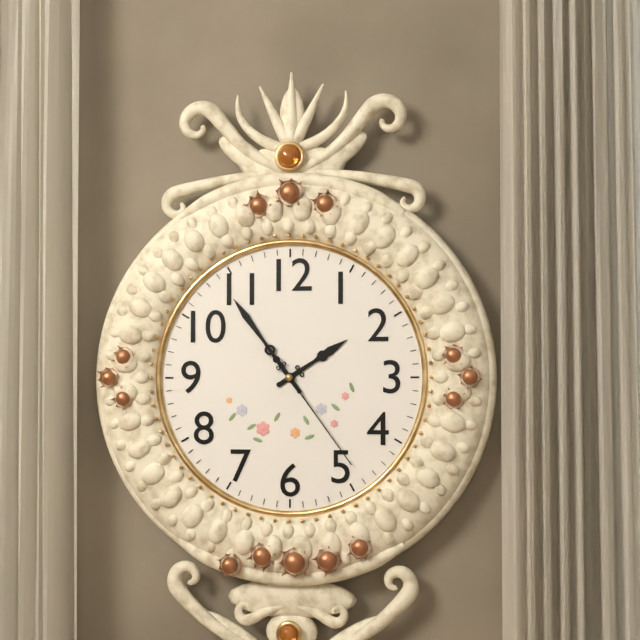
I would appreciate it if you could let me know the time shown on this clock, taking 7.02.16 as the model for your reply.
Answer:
1.54.24
